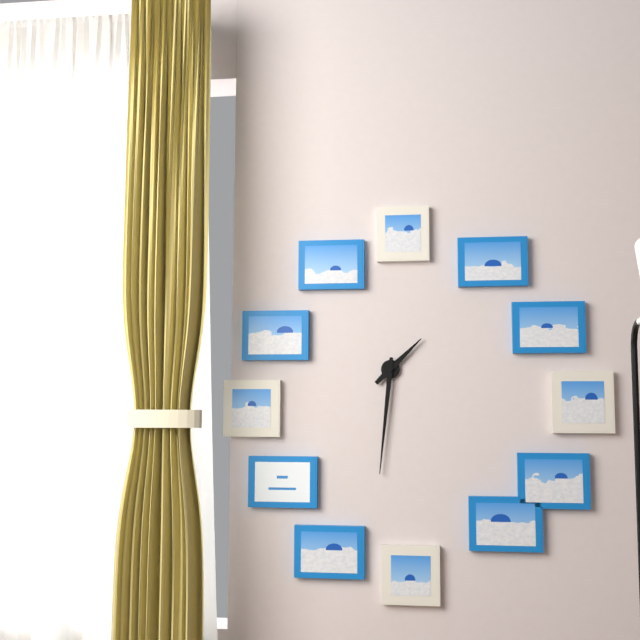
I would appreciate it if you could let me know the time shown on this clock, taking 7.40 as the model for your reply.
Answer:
1.31
